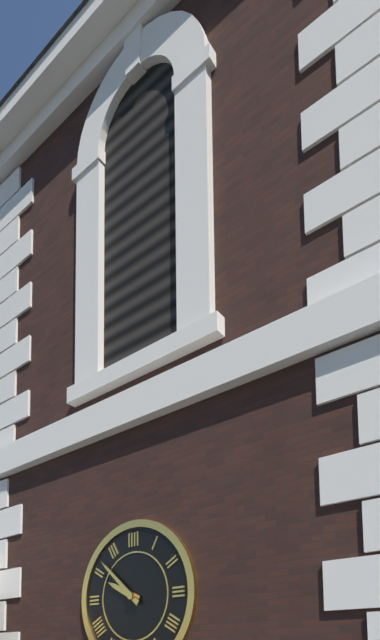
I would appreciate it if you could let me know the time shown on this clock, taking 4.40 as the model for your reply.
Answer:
9.52
